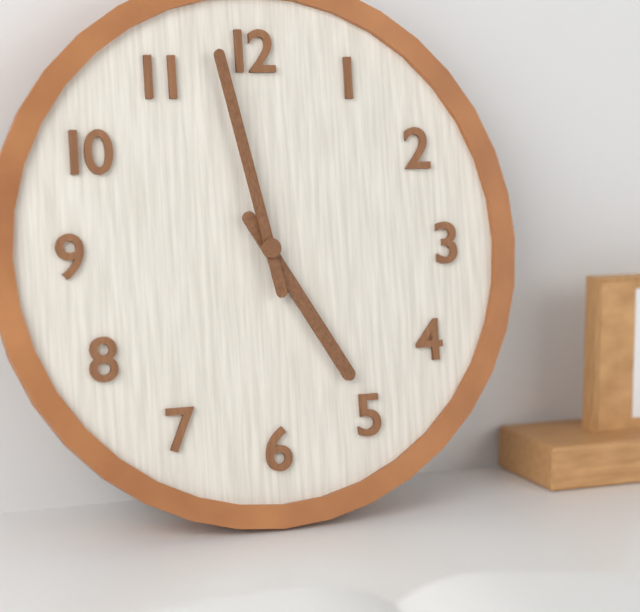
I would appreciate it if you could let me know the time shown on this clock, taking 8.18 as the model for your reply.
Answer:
4.58
